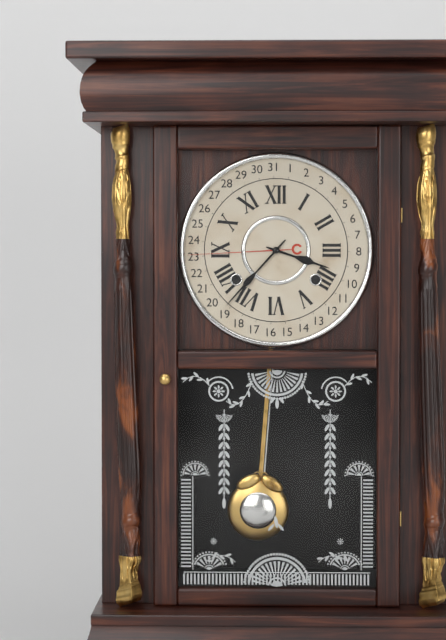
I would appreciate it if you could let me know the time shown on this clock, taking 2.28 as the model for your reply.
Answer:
3.37
